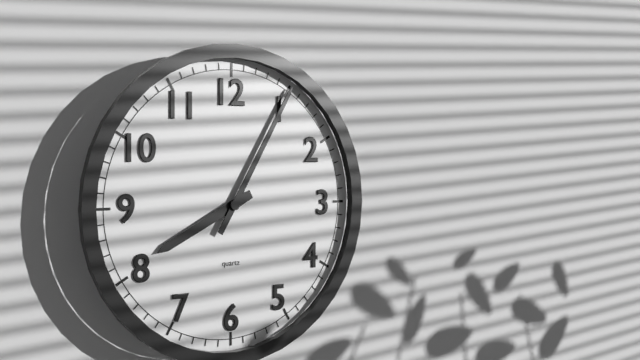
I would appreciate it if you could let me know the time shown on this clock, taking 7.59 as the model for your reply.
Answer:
8.05
